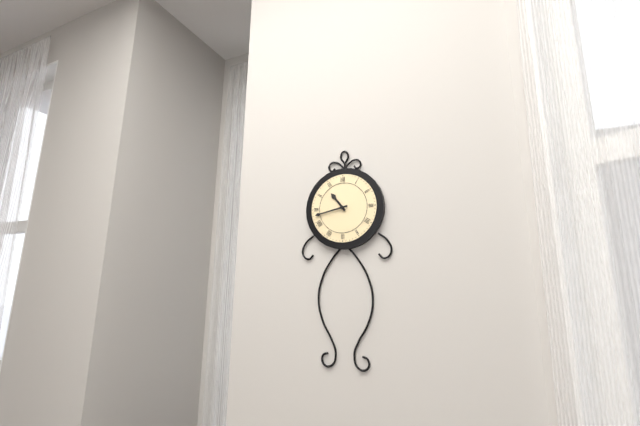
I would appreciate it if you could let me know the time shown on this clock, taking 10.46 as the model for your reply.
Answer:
10.43
